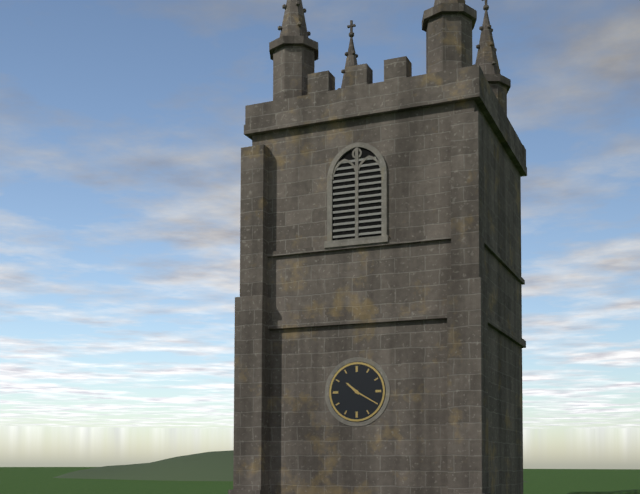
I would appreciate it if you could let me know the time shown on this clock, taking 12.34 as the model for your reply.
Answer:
10.20
